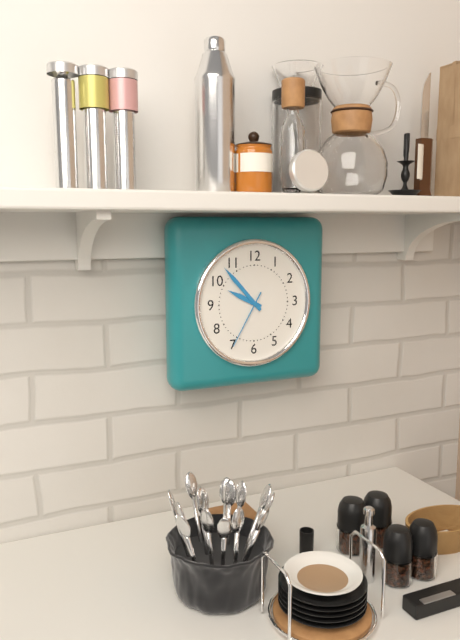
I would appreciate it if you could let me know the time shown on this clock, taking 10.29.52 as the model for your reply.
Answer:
9.53.35
